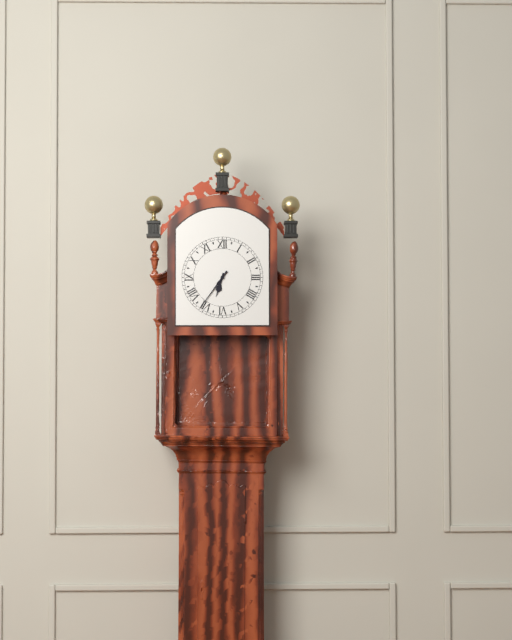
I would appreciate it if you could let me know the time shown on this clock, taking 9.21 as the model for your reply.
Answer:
6.36
